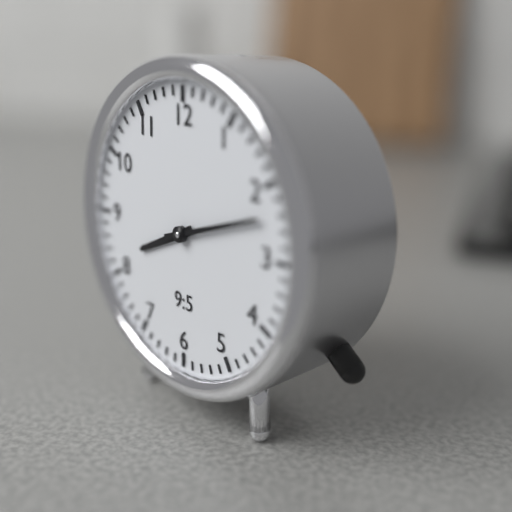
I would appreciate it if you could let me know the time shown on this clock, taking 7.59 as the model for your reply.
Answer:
8.12
